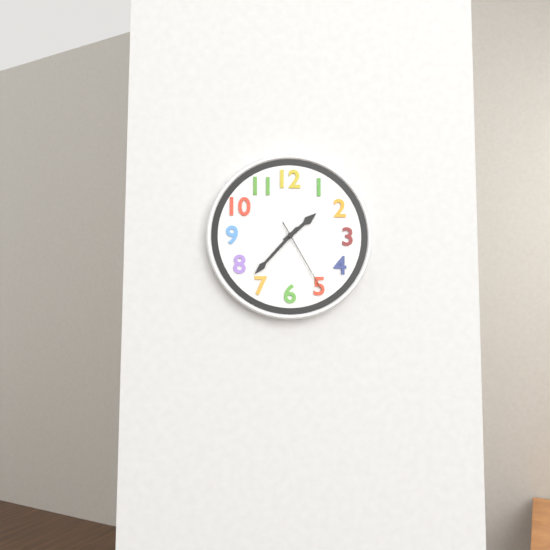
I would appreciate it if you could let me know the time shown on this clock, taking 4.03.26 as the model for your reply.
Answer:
1.37.25
